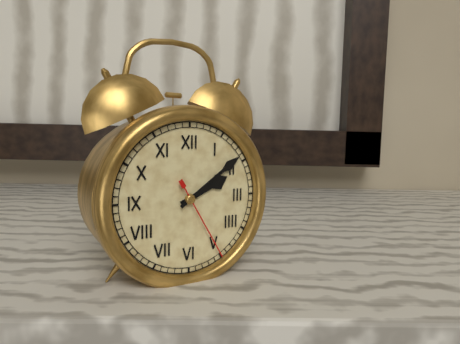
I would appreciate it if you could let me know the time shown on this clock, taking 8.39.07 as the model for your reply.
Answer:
2.09.25
